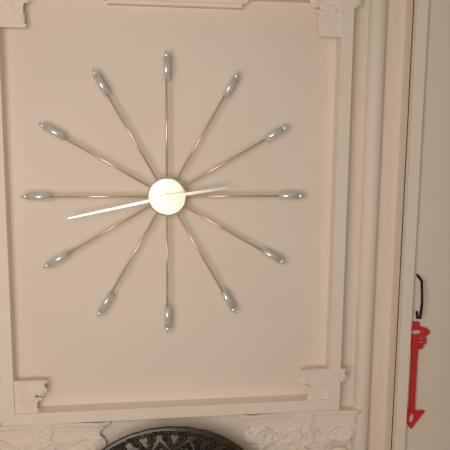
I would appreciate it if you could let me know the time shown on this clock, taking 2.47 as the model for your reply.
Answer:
2.43
